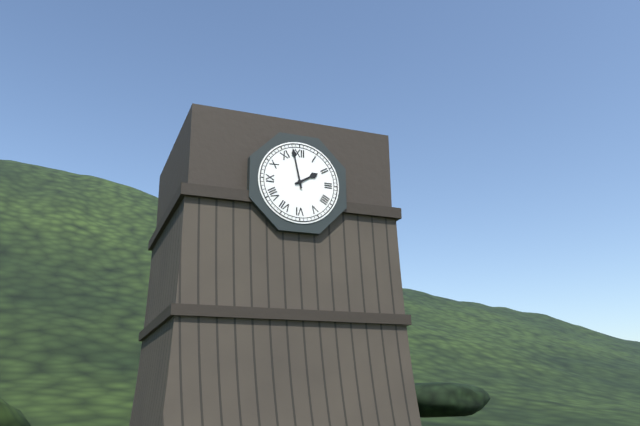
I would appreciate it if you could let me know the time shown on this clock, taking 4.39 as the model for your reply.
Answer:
1.58
